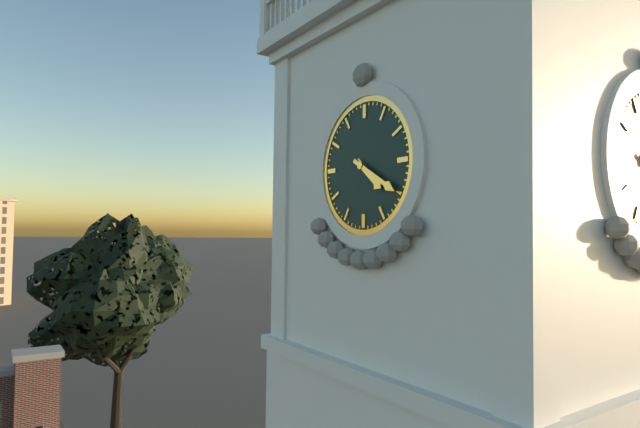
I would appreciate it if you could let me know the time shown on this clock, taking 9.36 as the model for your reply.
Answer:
4.20
